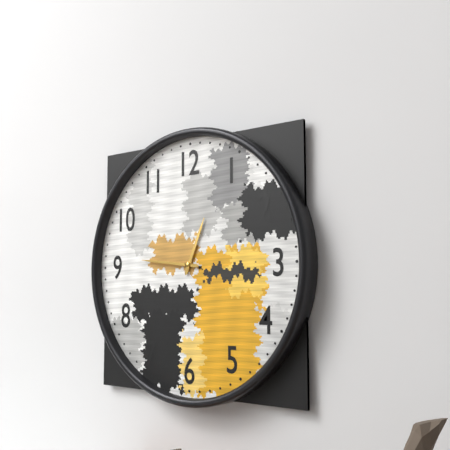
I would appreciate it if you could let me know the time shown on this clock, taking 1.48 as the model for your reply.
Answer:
12.46
